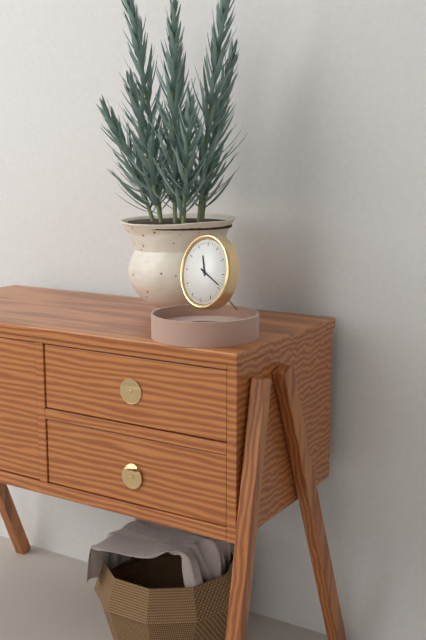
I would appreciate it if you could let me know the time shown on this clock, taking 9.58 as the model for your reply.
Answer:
11.19
